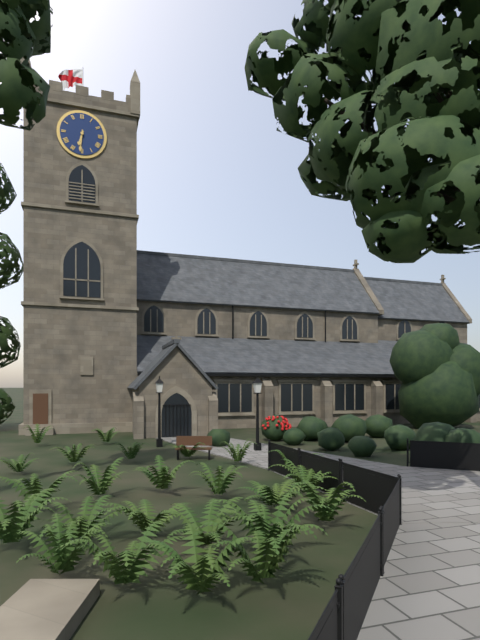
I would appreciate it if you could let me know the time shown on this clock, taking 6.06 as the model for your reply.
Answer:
6.31
